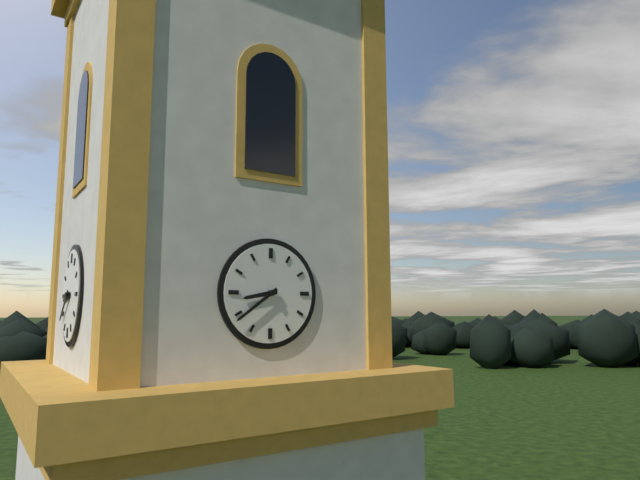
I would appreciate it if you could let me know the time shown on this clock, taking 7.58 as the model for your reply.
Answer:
8.39
